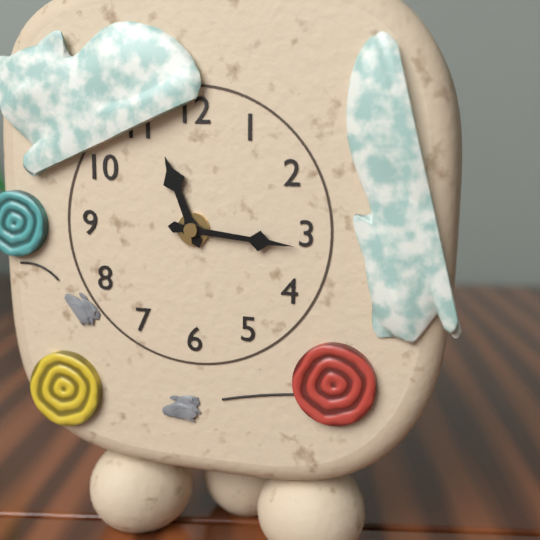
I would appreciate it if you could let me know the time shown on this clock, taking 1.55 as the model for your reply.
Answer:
11.16
